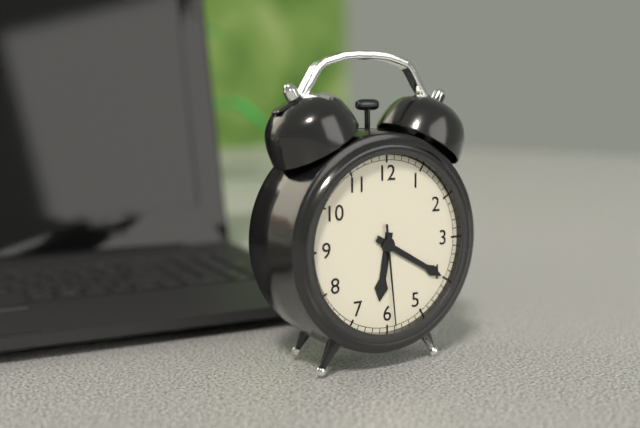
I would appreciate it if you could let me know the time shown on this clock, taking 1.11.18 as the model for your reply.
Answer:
6.20.29
